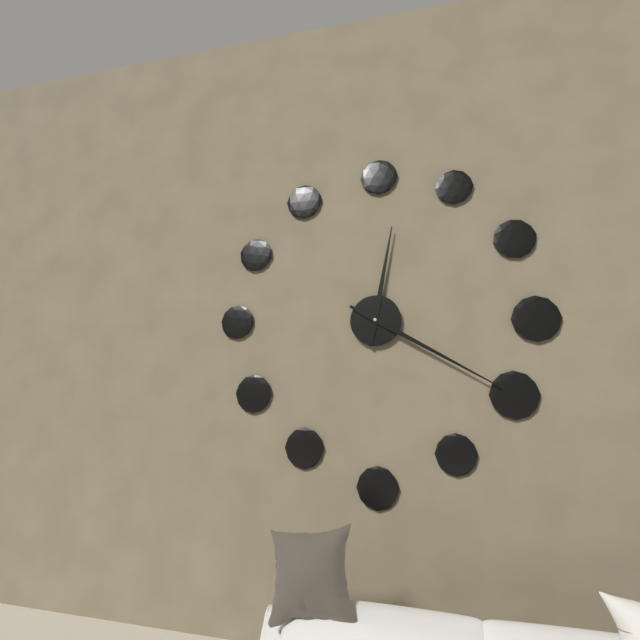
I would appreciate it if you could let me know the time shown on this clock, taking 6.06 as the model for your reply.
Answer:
12.20
